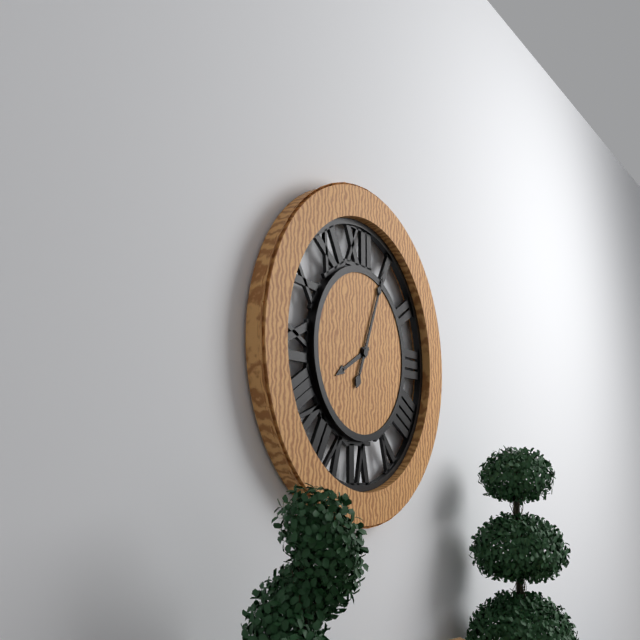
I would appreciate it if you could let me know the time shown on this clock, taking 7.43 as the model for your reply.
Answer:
8.04
